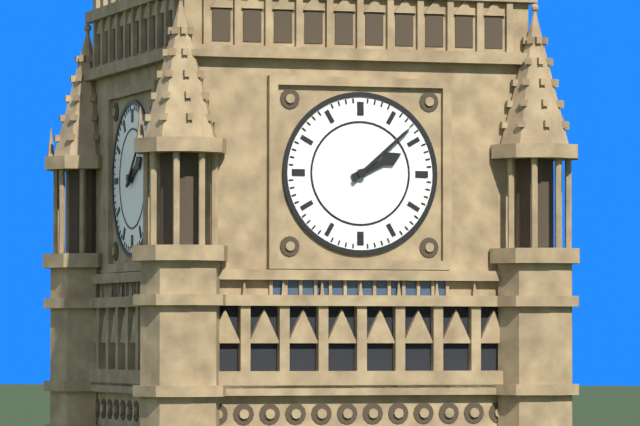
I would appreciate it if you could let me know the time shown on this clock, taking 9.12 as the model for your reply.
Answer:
2.08
